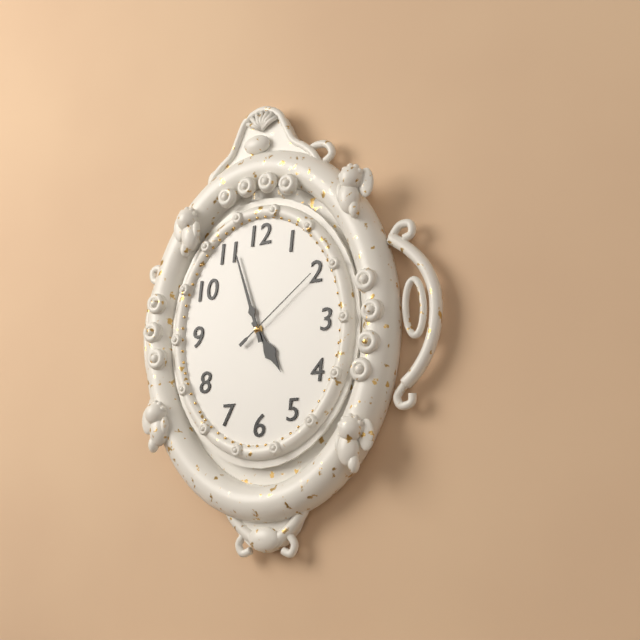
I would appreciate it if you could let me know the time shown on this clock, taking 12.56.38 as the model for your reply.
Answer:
4.57.09
